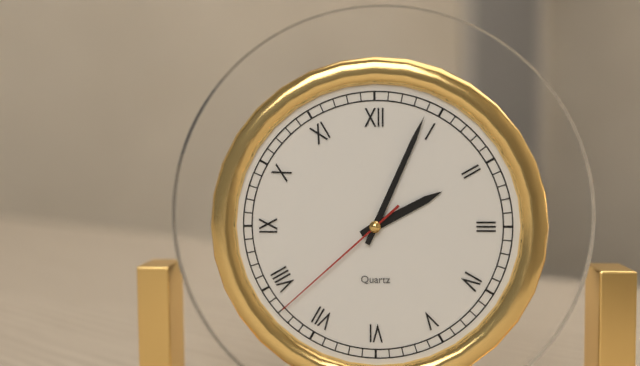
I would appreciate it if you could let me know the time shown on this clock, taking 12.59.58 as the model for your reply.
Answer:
2.04.38
